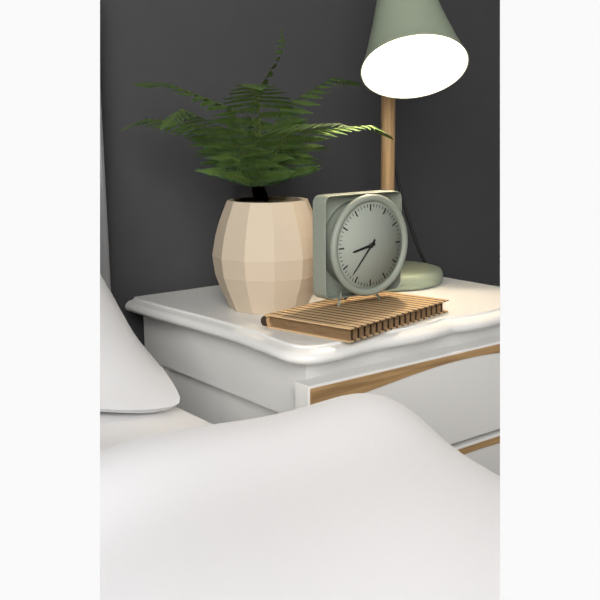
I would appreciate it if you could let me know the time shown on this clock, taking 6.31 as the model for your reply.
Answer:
8.37
